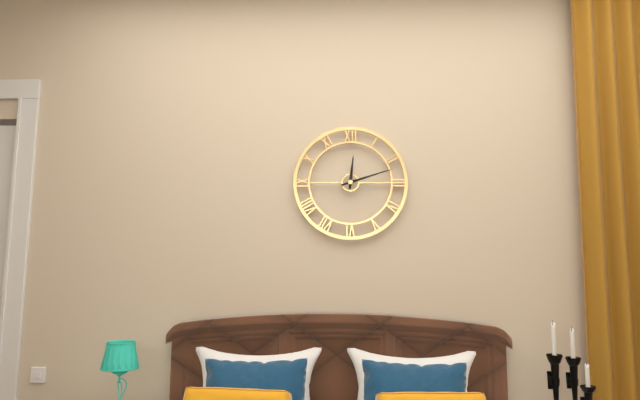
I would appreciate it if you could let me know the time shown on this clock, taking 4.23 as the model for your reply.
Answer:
12.12
